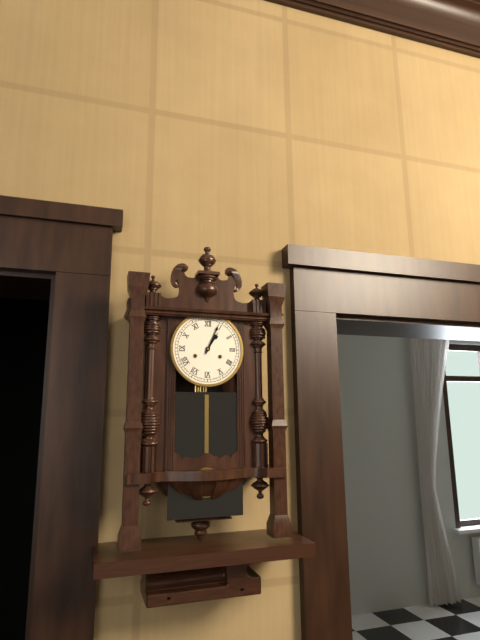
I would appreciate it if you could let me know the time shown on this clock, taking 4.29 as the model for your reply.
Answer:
1.04
